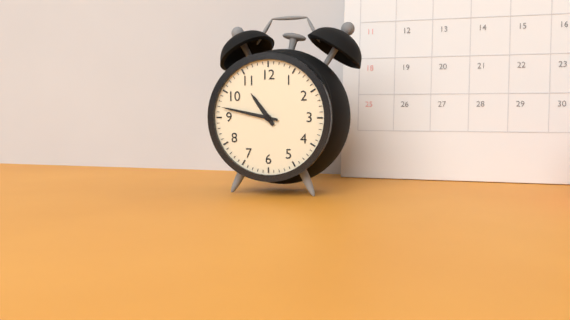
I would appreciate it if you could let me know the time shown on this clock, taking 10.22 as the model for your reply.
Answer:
10.47
